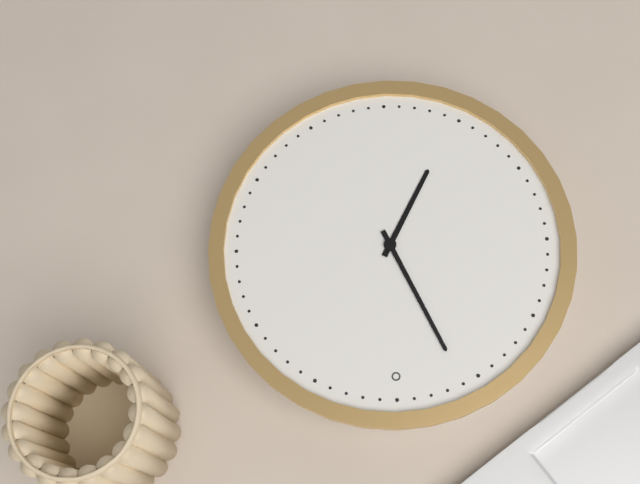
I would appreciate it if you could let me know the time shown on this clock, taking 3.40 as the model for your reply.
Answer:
6.56
